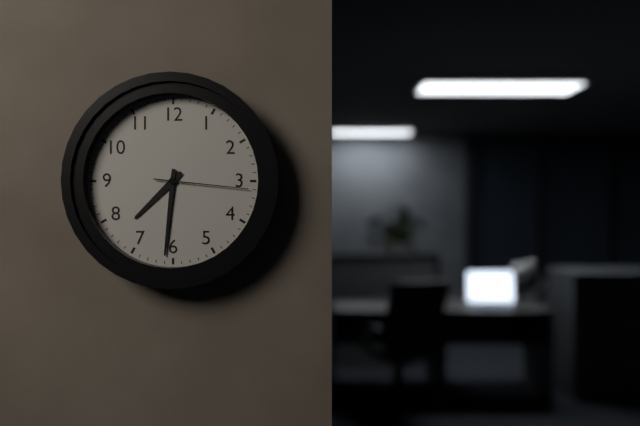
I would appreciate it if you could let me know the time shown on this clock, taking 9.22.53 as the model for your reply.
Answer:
7.31.16
